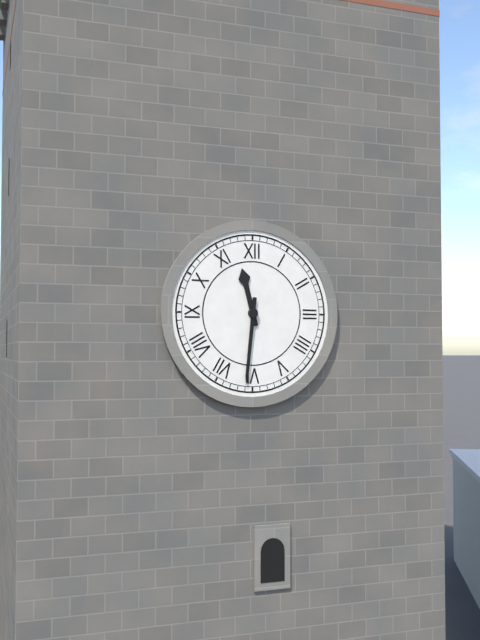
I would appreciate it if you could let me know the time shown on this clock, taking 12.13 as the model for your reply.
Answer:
11.31
